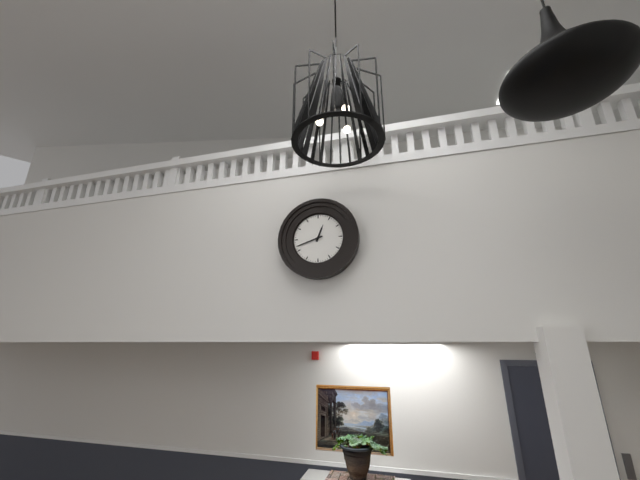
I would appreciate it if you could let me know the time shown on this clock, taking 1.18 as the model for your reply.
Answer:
12.42
